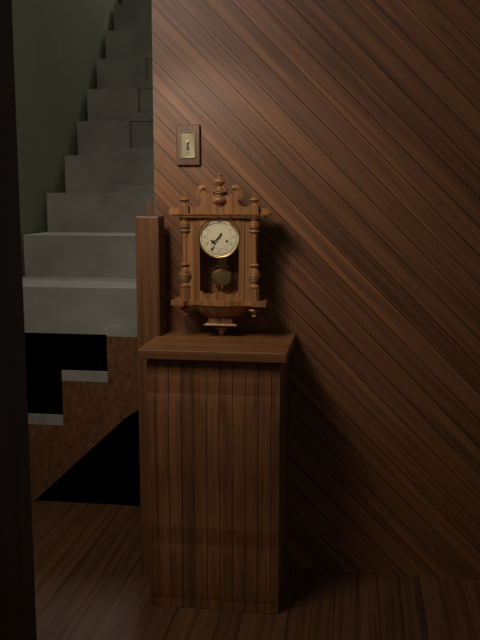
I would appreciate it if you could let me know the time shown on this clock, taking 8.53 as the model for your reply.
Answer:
7.35
